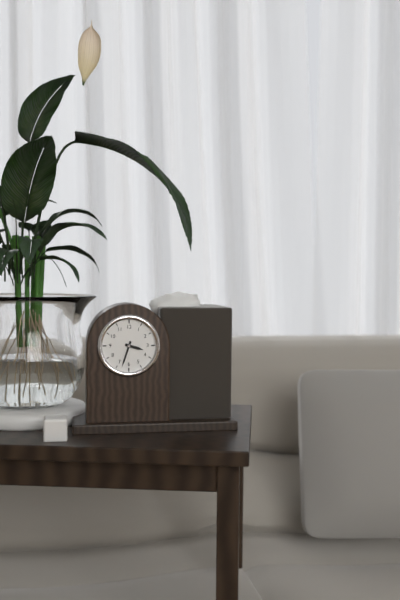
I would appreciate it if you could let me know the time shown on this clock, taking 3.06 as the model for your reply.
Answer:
3.33
